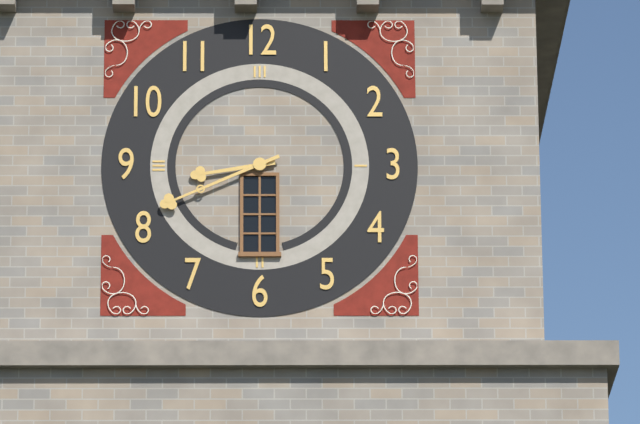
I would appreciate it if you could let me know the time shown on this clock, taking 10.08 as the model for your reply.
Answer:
8.41
